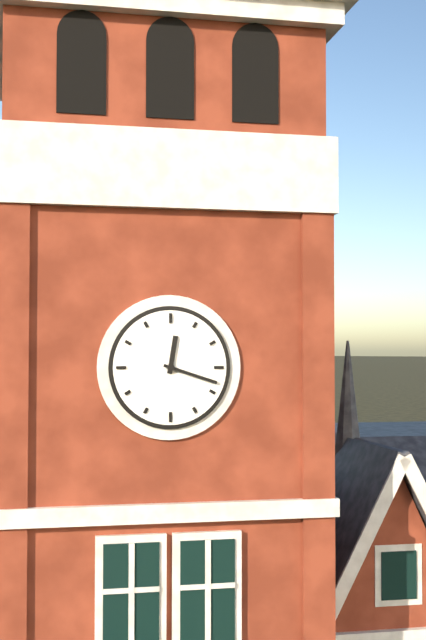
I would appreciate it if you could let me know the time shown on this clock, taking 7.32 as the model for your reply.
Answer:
12.18
